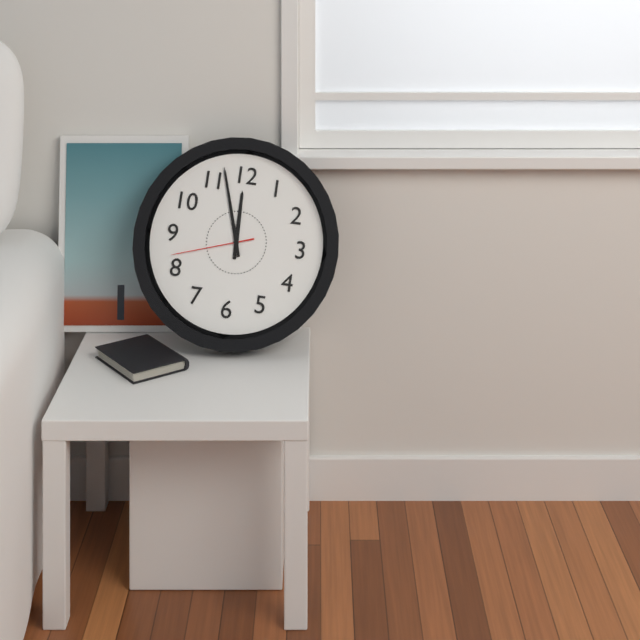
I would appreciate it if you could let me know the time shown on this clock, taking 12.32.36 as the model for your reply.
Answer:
11.57.42
